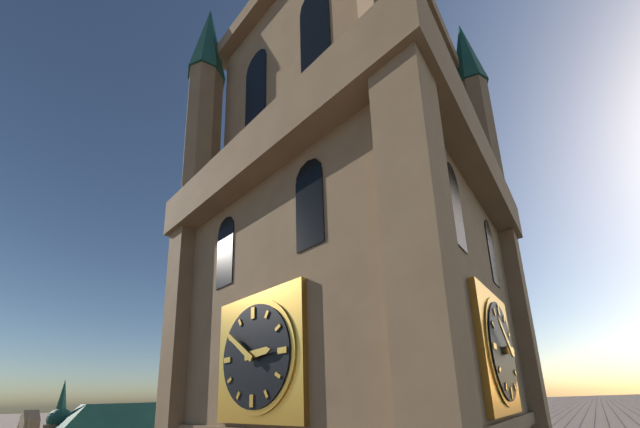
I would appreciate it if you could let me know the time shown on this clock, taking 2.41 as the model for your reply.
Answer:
2.51
